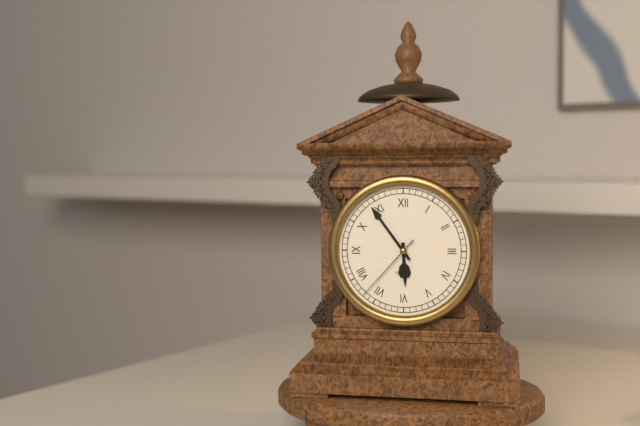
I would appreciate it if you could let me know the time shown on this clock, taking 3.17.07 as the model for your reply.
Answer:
5.54.37
